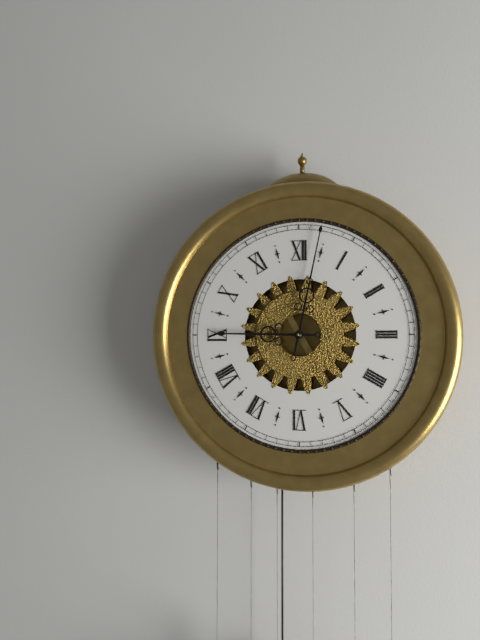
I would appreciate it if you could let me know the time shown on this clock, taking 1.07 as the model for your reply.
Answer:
9.02
